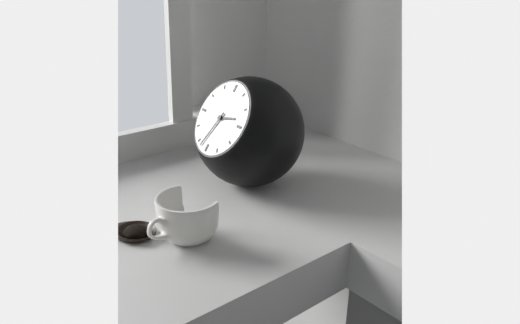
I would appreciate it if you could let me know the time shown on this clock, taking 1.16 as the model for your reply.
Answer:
2.33
